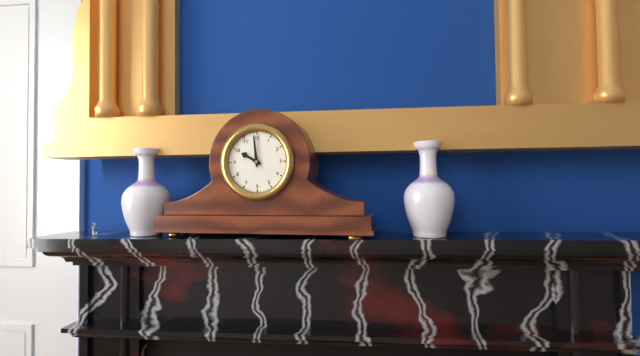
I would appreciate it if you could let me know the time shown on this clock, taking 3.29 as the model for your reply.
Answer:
9.59
